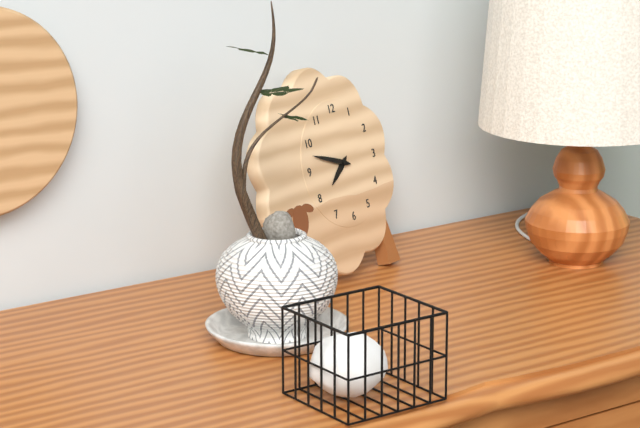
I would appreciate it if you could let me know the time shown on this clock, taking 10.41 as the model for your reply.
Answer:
7.48
